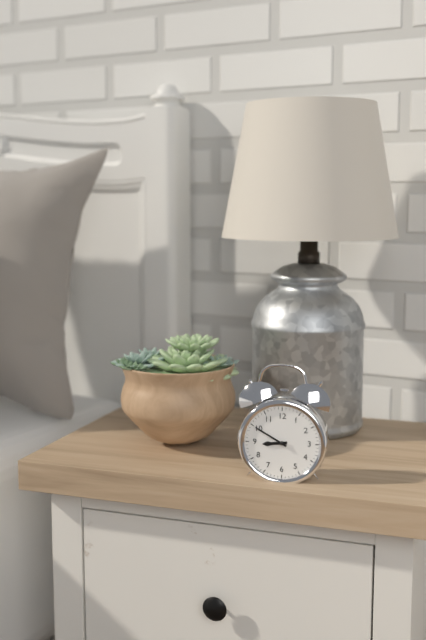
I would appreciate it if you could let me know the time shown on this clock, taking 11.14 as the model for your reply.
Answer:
8.50
